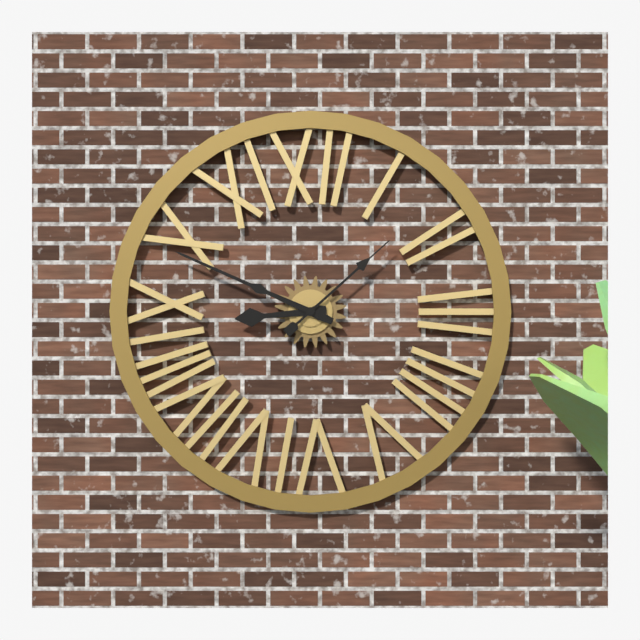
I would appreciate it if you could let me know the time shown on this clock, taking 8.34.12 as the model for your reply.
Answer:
8.49.08
